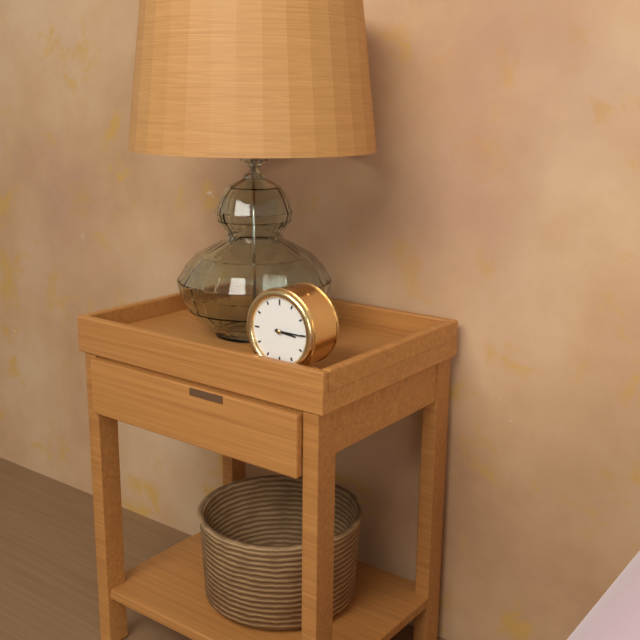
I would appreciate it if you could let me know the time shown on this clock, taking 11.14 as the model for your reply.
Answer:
3.15
